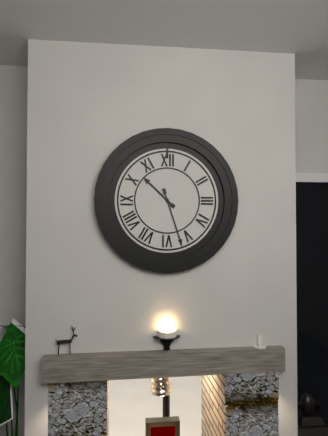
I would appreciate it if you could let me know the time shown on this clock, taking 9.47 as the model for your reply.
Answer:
10.27
